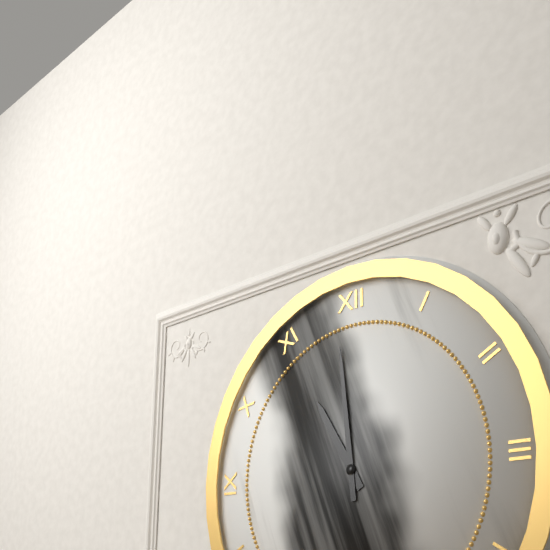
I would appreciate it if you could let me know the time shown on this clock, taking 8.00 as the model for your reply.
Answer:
10.59
